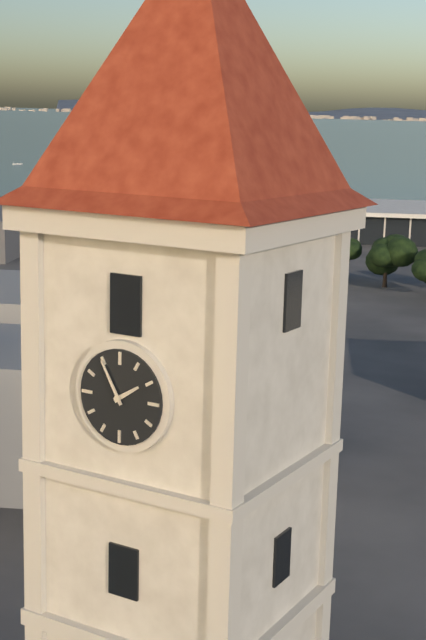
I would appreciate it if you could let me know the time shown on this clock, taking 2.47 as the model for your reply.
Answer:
1.55
